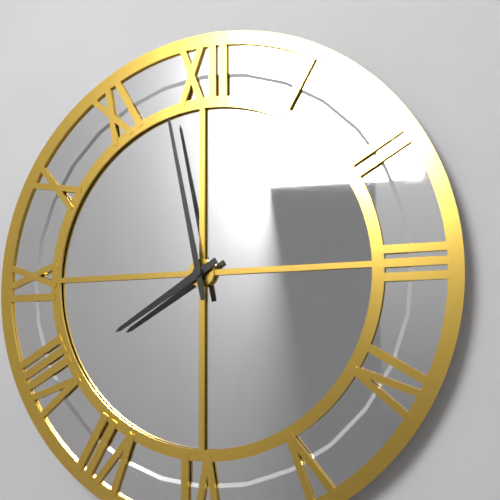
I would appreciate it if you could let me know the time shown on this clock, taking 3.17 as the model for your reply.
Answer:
7.58
